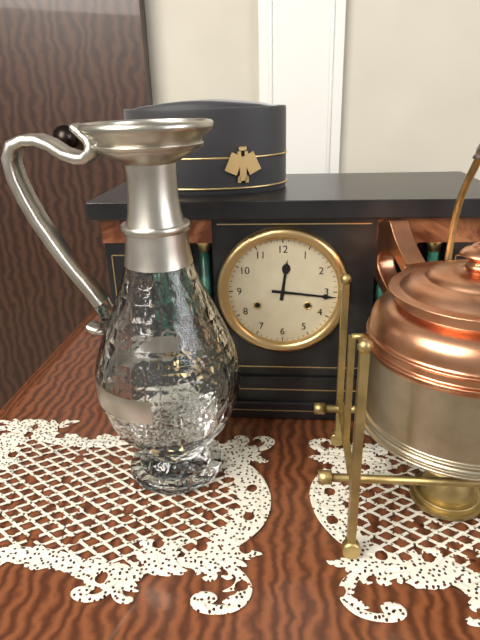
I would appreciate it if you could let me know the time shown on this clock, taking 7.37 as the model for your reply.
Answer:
12.16
